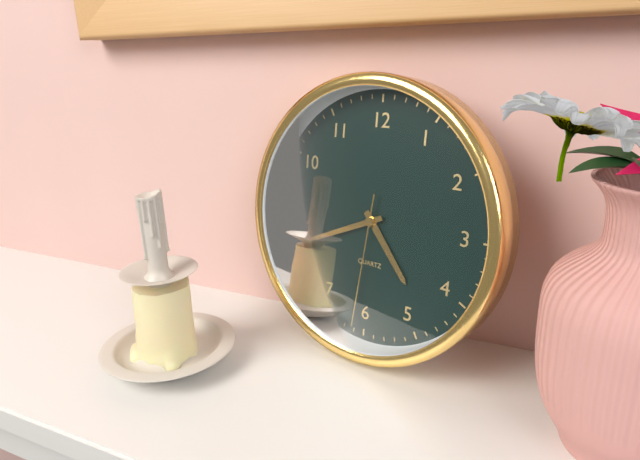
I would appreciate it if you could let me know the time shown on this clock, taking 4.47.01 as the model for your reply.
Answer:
4.41.31
